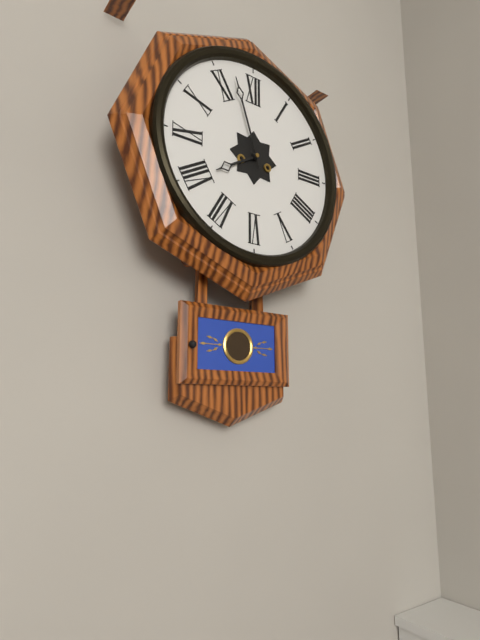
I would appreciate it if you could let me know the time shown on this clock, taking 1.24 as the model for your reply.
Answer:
7.57
